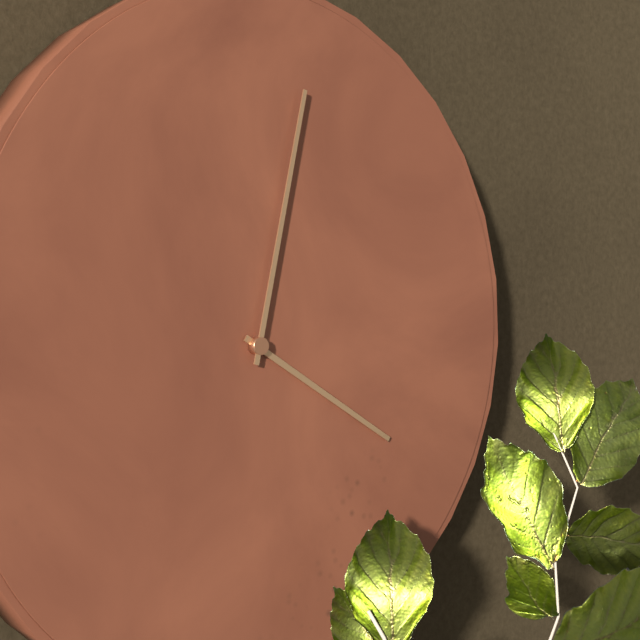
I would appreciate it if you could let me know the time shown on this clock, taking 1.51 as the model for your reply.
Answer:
4.02
